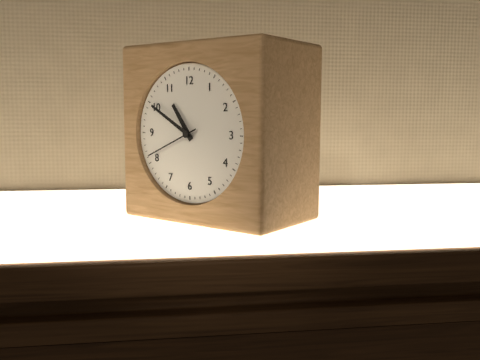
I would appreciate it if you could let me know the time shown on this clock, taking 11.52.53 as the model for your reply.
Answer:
10.50.41
